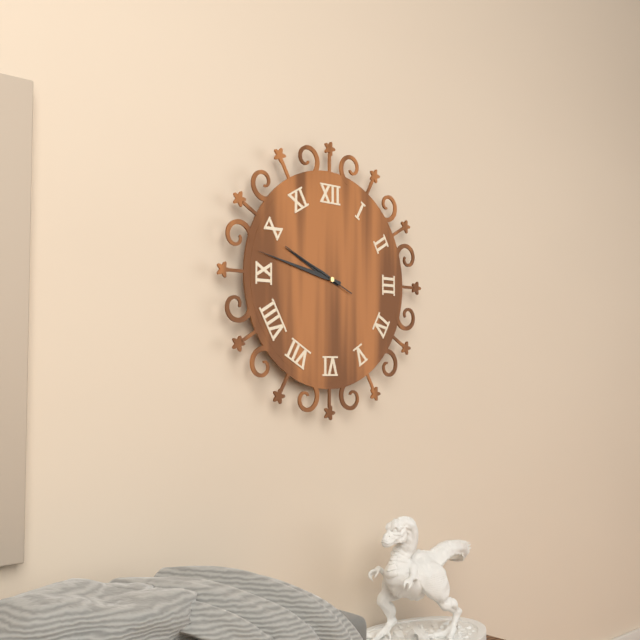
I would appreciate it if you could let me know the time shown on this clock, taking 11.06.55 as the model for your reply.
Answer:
9.47.49
